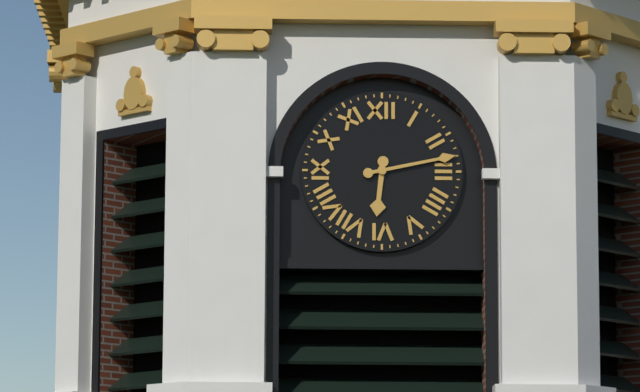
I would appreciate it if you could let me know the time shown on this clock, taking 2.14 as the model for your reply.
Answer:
6.13
